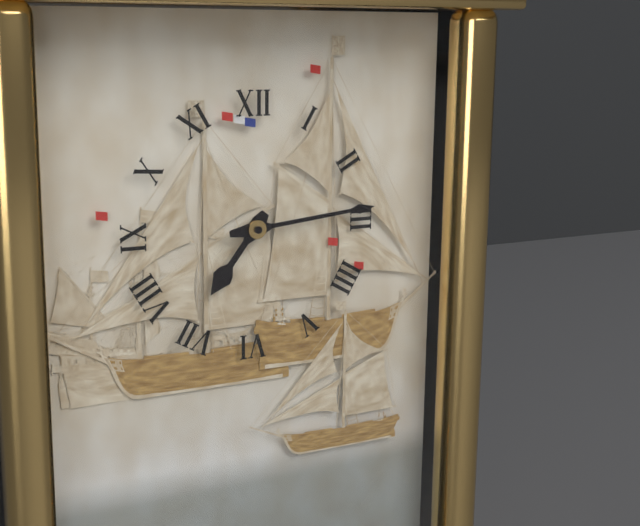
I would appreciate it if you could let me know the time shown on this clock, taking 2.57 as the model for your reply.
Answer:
7.14
